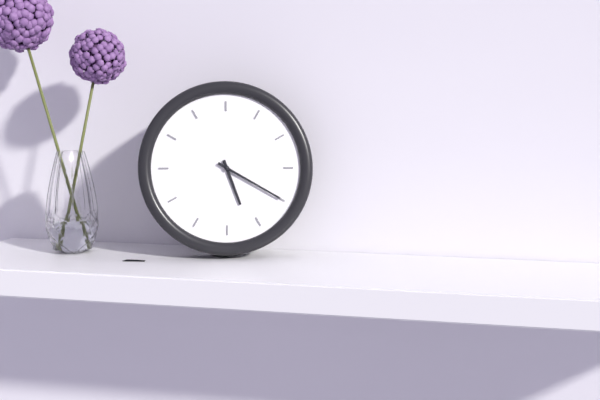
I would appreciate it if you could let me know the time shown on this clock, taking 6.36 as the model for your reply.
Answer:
5.20
